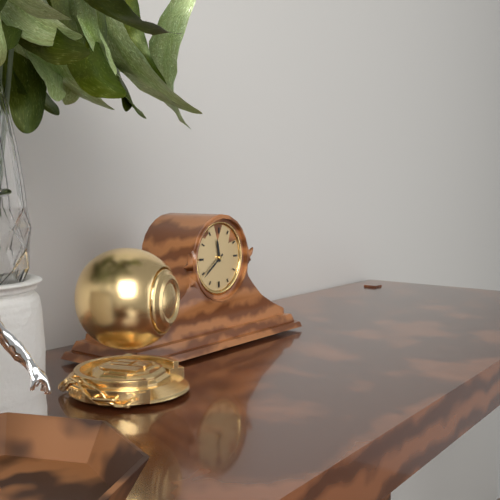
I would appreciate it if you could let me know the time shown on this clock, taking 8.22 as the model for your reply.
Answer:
11.39
